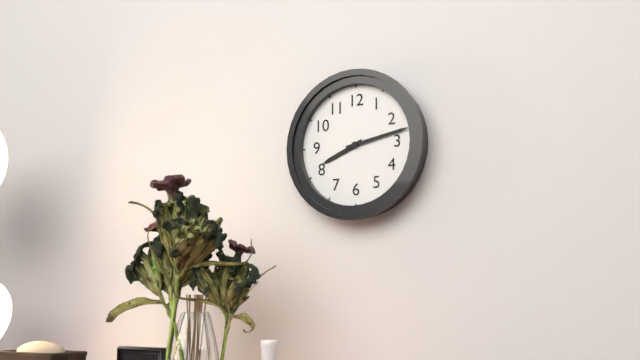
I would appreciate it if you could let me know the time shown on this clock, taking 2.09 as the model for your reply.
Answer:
8.13
